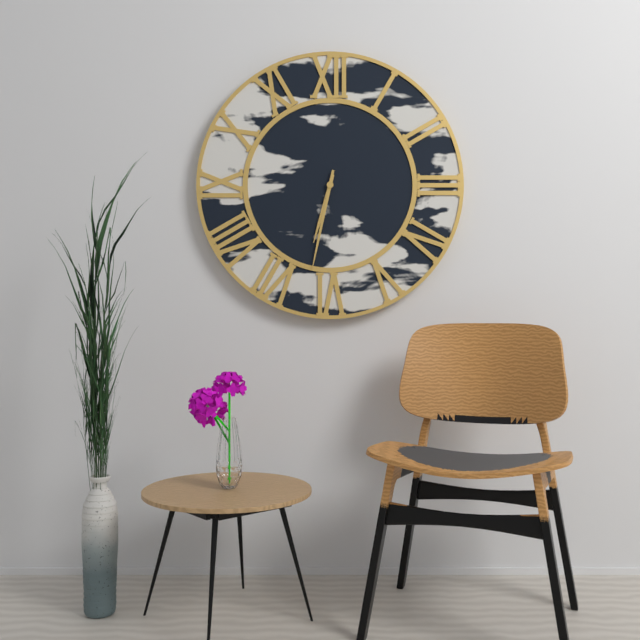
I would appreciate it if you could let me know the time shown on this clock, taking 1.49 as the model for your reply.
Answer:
6.32
